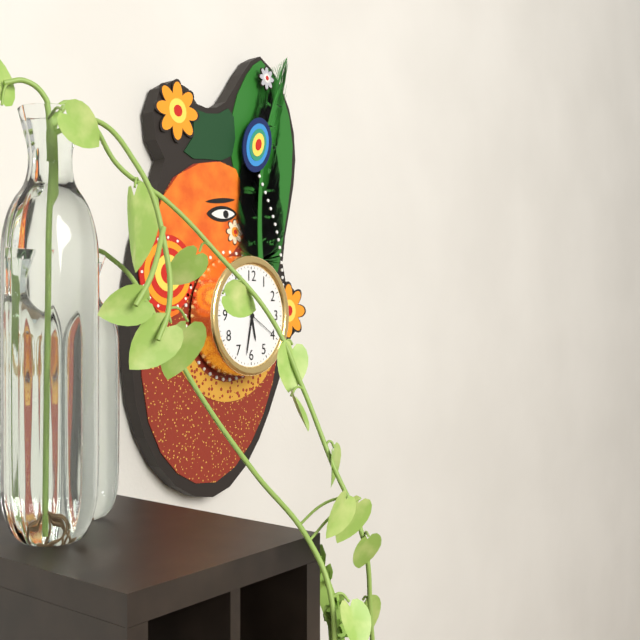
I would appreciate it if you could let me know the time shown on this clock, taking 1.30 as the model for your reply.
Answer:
5.32
